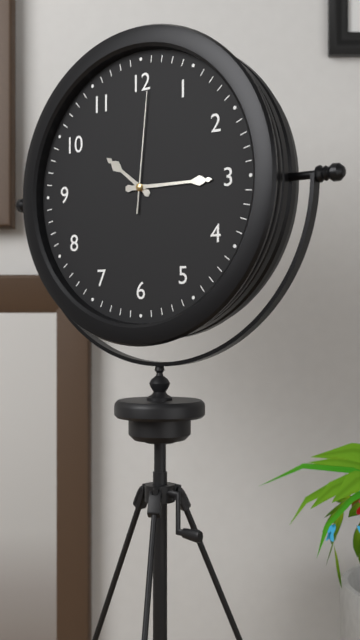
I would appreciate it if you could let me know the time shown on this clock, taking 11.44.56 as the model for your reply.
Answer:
10.15.01
